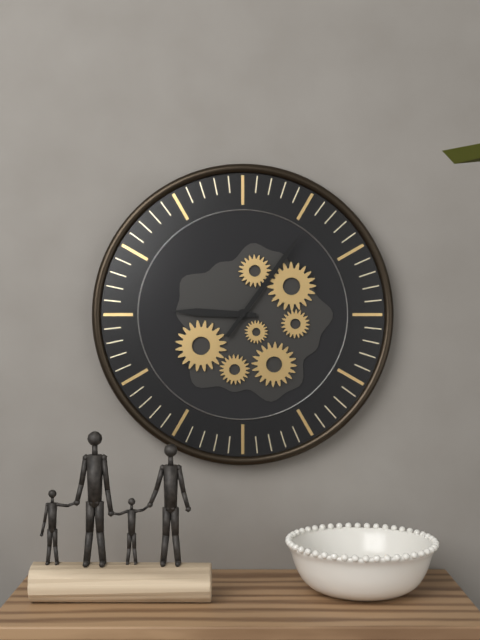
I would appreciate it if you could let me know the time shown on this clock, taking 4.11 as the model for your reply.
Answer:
9.06
